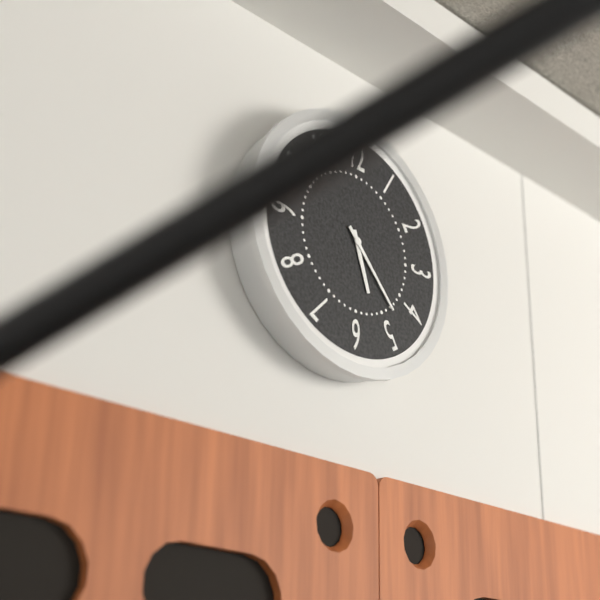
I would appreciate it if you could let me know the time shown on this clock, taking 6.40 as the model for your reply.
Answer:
5.23
